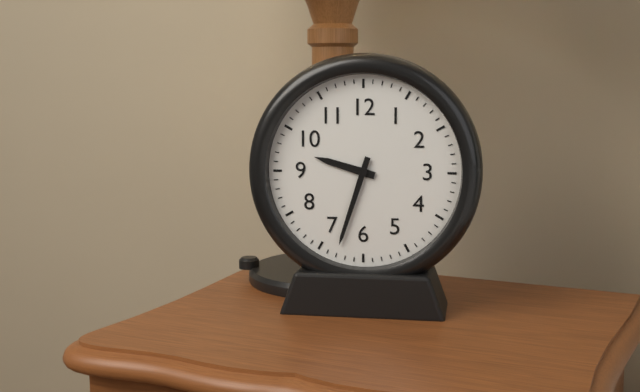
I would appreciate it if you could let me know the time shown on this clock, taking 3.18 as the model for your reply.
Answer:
9.33
